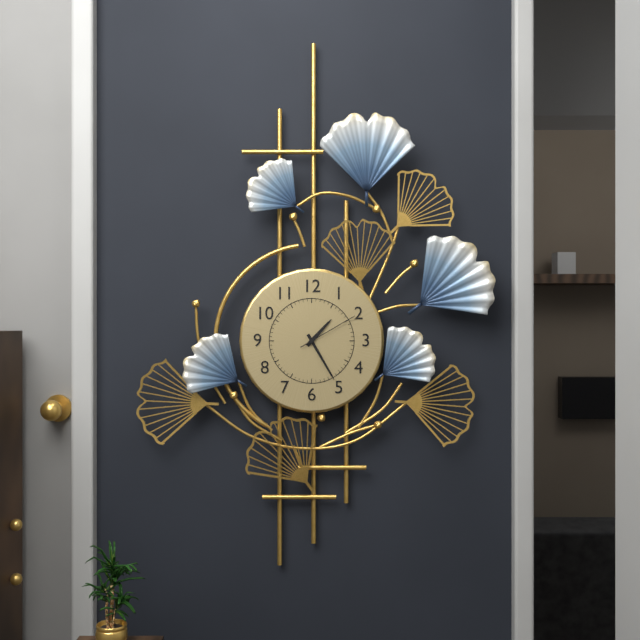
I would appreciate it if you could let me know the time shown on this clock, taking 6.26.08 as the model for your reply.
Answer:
1.25.10
